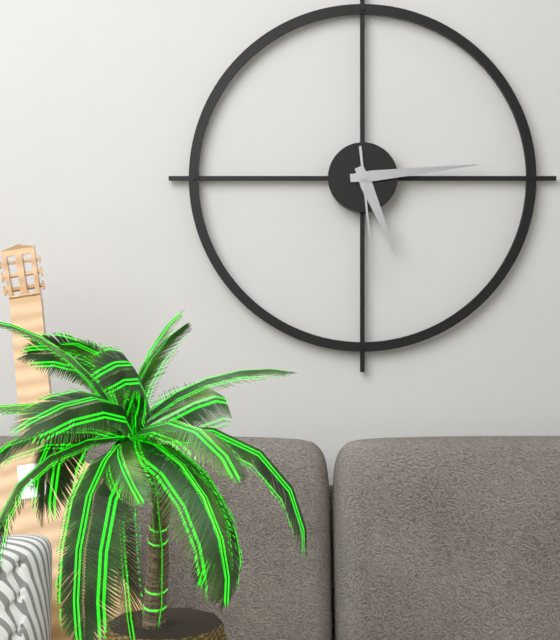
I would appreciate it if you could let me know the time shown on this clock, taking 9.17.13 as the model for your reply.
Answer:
5.14.29
